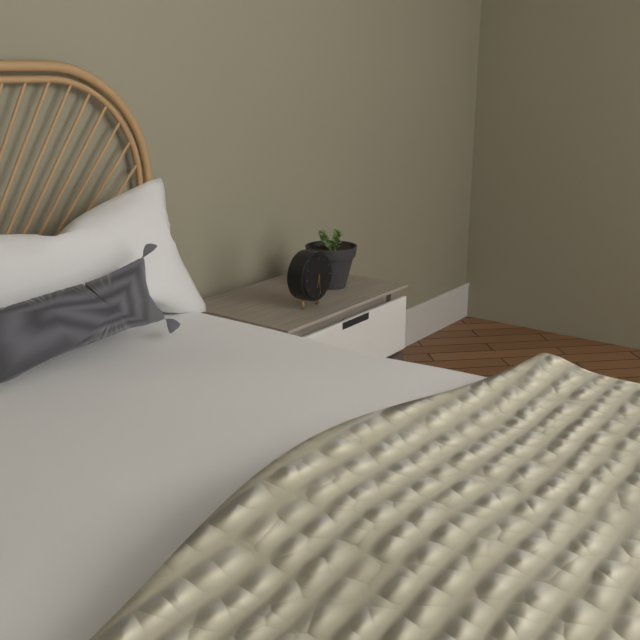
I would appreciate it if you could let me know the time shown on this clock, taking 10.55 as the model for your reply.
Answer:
6.29
